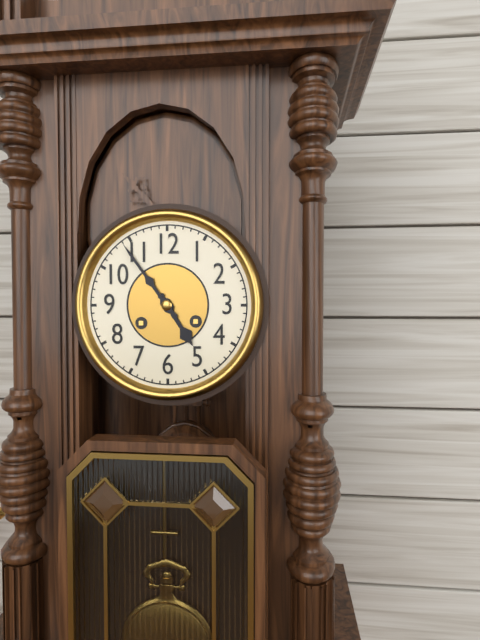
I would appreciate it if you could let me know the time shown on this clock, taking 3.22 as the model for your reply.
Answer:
4.54
